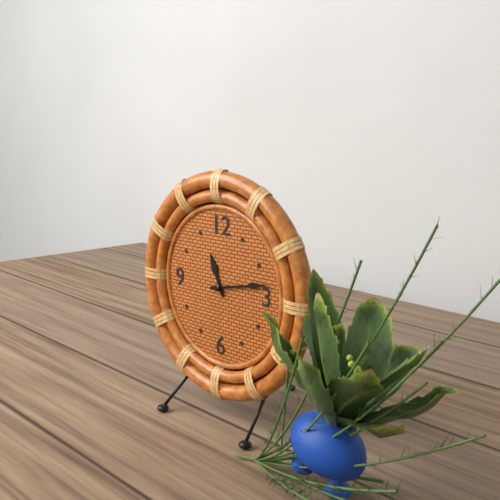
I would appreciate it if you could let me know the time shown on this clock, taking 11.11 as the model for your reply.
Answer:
11.13
